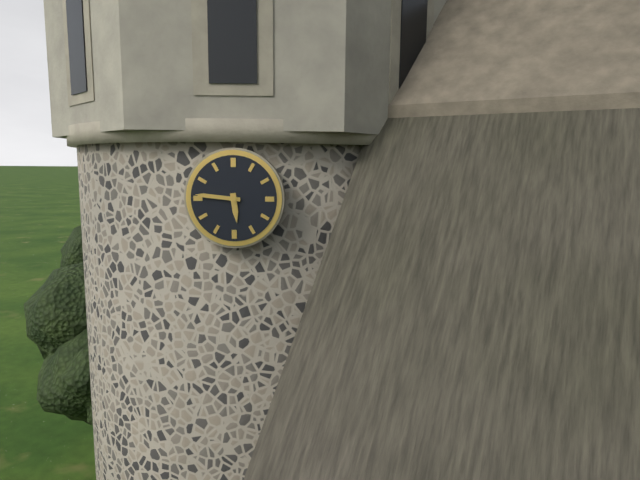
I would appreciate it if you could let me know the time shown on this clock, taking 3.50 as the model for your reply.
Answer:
5.46
